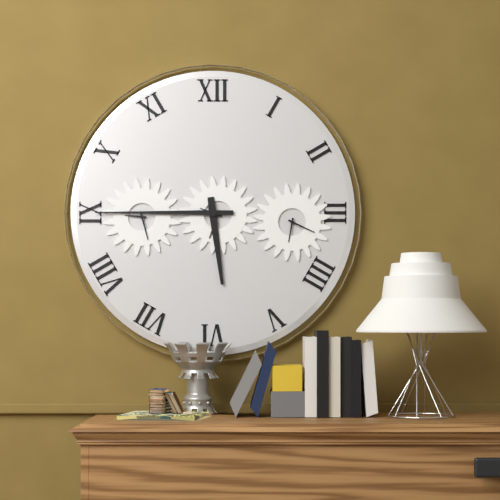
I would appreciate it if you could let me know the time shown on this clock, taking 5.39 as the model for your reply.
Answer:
5.45
